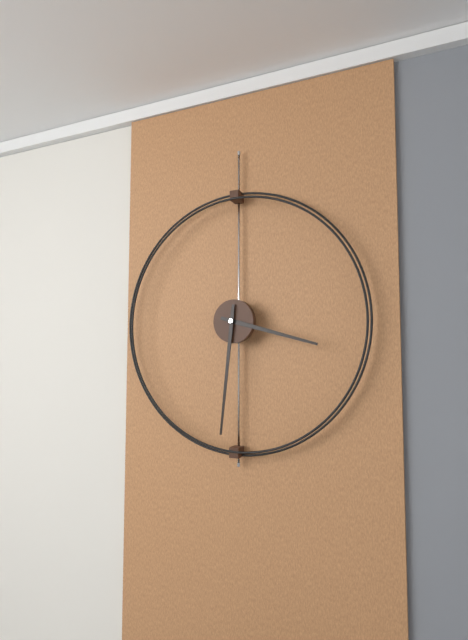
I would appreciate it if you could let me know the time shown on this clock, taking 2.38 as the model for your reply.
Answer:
3.31
